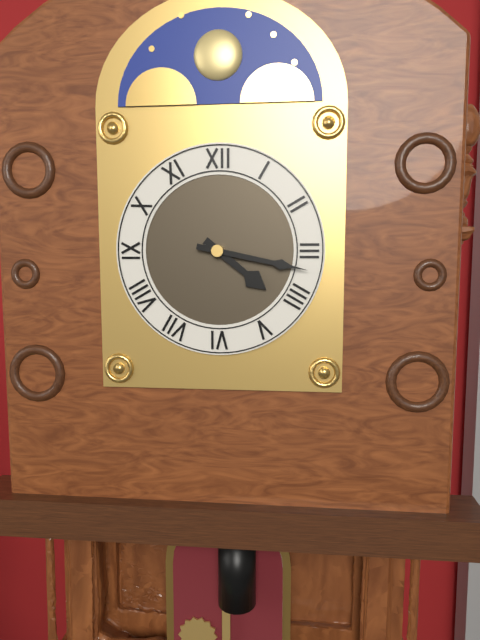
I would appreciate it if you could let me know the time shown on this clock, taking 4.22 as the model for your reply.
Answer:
4.17
